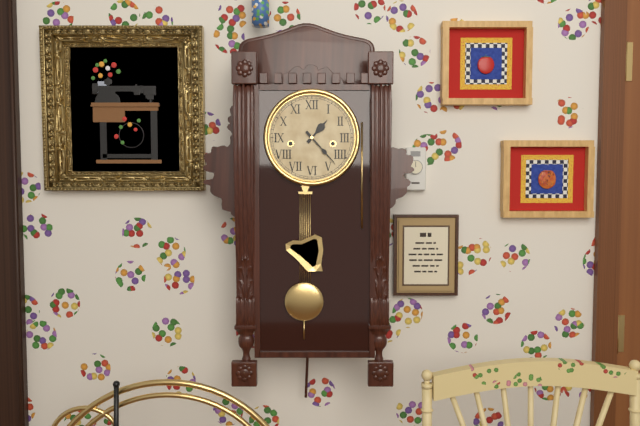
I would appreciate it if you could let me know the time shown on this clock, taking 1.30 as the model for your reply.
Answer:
1.23
